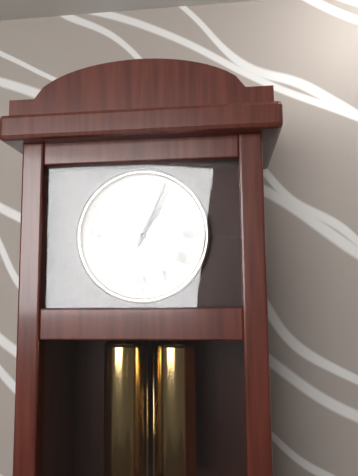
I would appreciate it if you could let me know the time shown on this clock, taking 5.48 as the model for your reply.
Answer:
1.04
